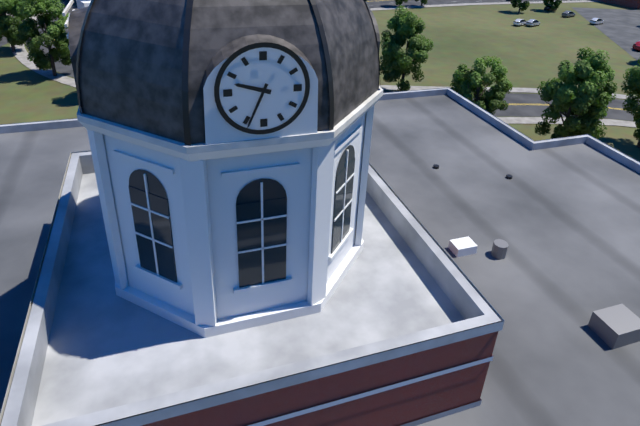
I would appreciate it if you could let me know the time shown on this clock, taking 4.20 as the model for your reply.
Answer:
9.34
